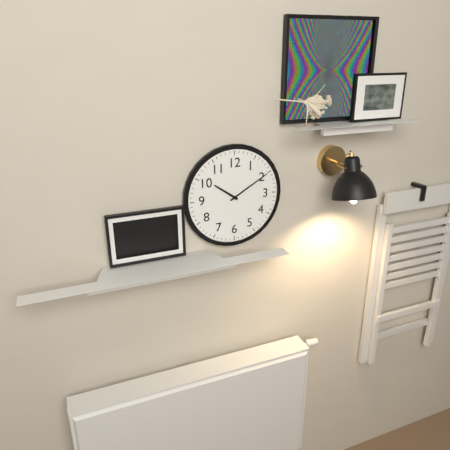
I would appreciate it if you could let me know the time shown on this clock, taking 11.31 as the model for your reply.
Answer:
10.10
